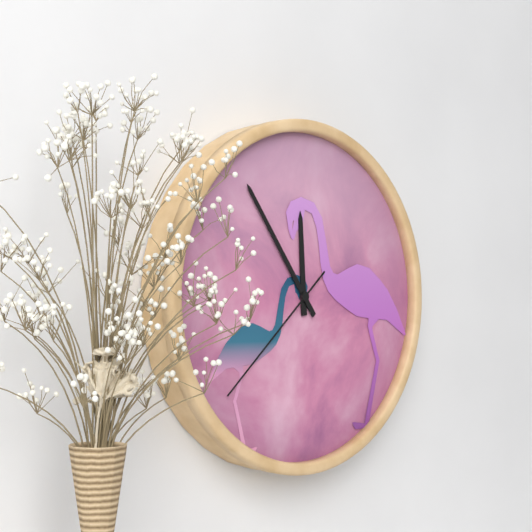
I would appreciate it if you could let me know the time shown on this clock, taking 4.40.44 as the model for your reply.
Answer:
11.54.38
